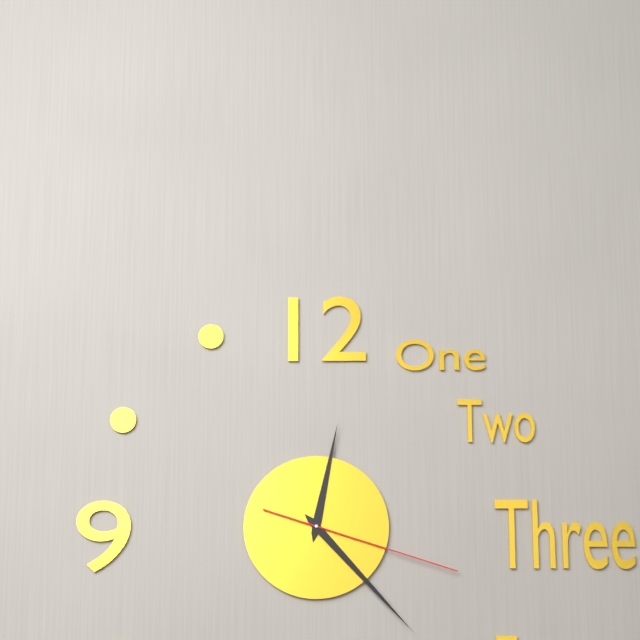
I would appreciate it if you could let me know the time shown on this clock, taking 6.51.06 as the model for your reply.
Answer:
12.23.18
